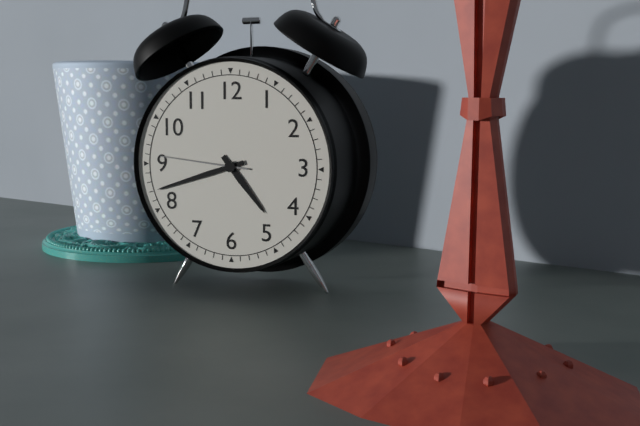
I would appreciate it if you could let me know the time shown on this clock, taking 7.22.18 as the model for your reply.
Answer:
4.42.46
